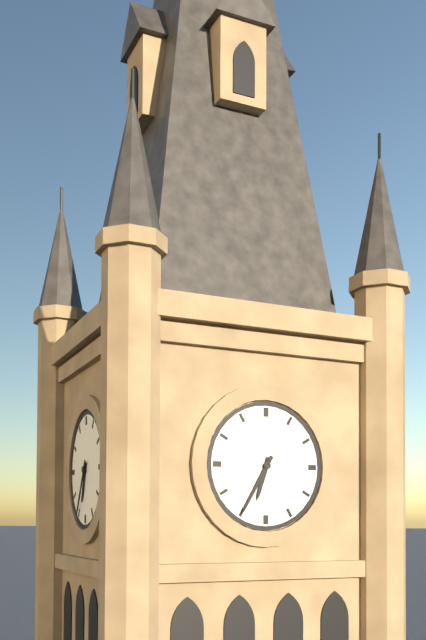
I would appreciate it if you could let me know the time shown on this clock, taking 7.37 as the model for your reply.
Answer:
6.35
